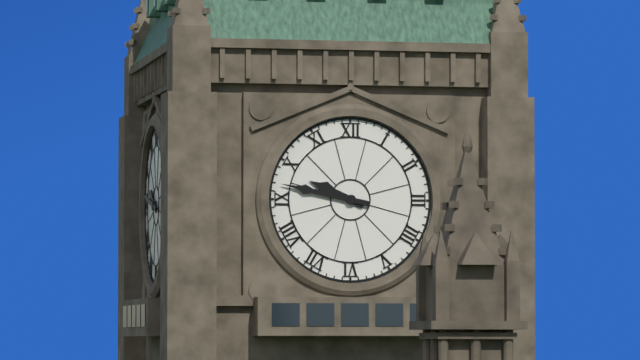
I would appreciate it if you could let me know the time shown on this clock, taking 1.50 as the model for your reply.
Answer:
9.47
